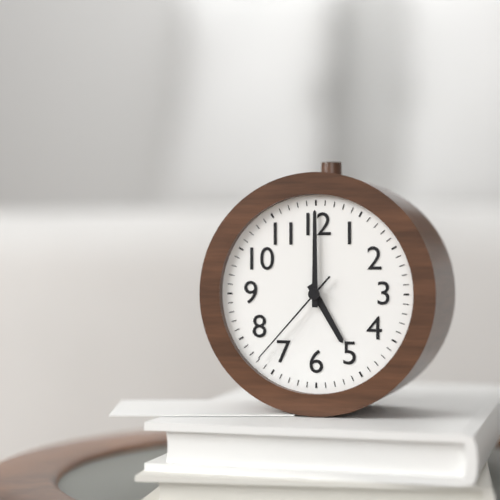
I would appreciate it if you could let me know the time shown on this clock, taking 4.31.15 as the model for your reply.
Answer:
5.00.37
